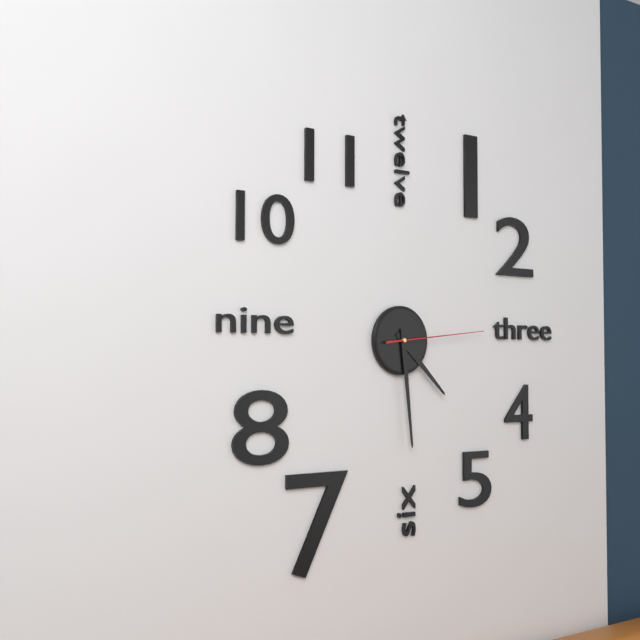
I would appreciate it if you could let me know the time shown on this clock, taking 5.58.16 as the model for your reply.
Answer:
4.29.14
